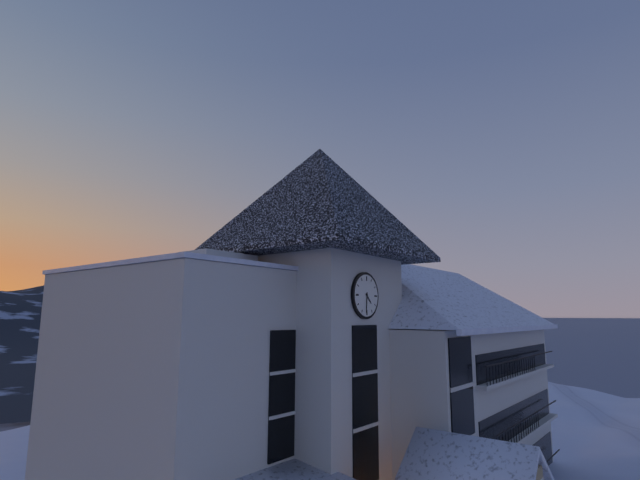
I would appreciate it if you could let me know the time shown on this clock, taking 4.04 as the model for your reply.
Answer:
4.31
